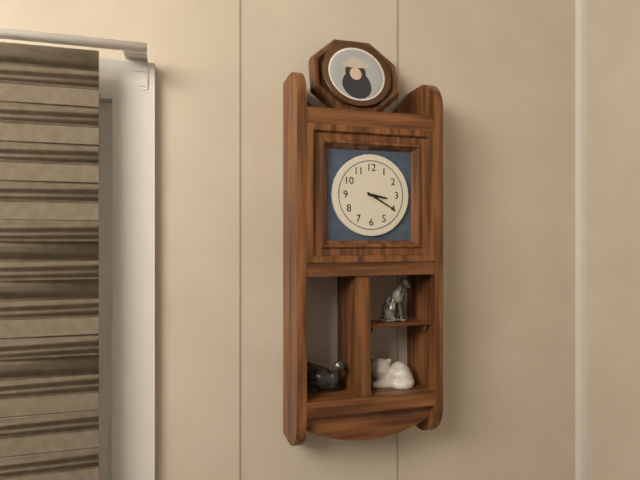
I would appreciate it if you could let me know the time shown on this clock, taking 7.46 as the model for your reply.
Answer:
3.20
